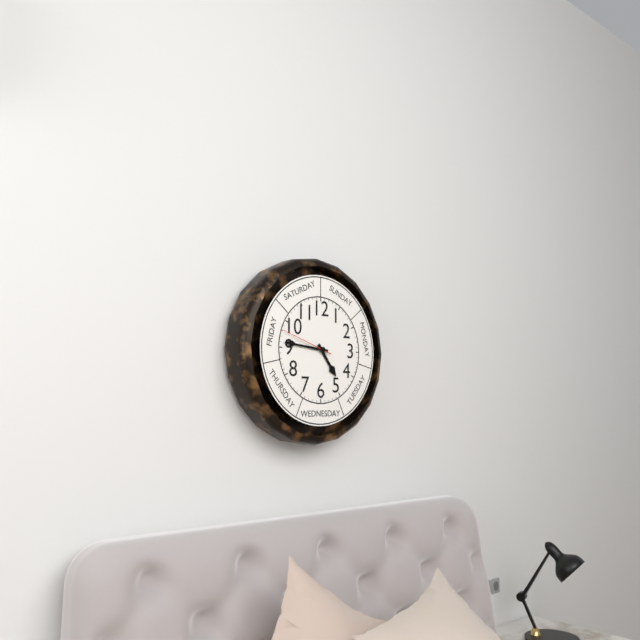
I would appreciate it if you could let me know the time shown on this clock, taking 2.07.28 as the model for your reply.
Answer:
4.46.48
